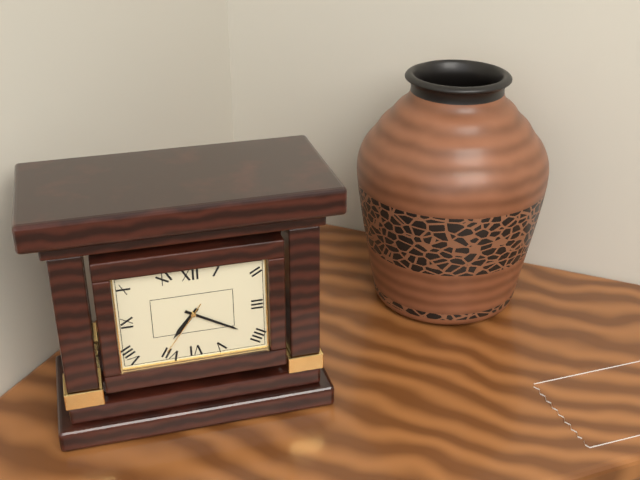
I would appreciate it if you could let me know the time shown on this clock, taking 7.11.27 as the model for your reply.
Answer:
7.20.36
